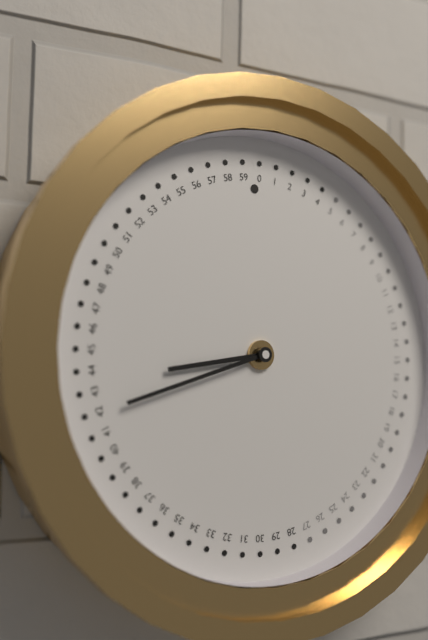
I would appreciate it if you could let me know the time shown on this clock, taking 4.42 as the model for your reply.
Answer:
8.42
